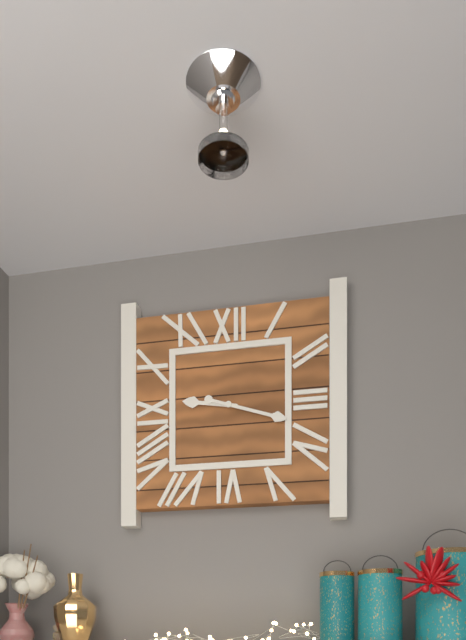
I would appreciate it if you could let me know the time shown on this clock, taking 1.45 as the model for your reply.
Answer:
9.18
